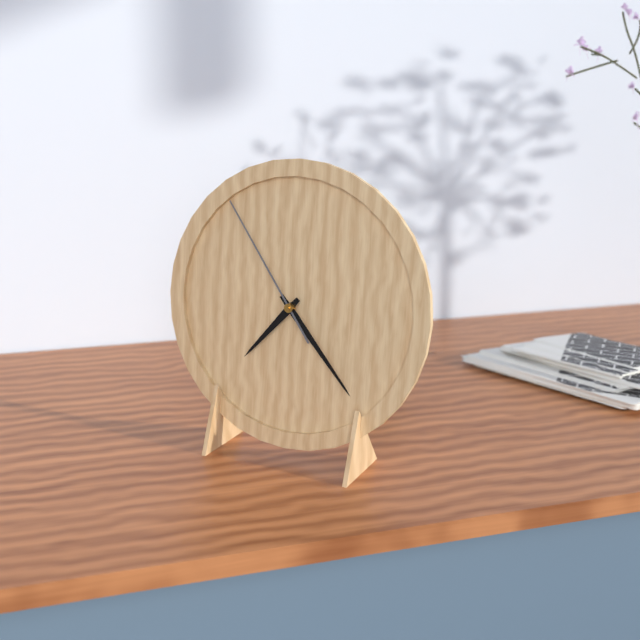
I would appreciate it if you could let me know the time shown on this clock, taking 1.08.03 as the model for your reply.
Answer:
7.23.54
